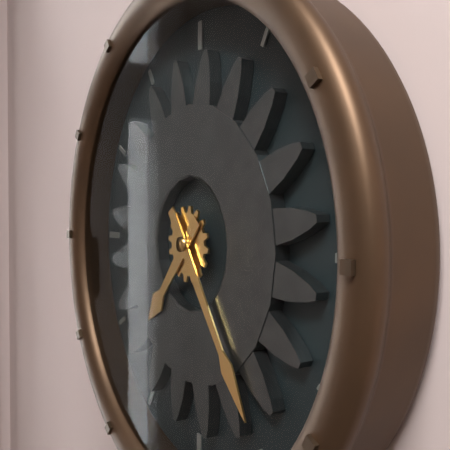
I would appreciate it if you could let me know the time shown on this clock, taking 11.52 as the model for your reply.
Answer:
7.24
